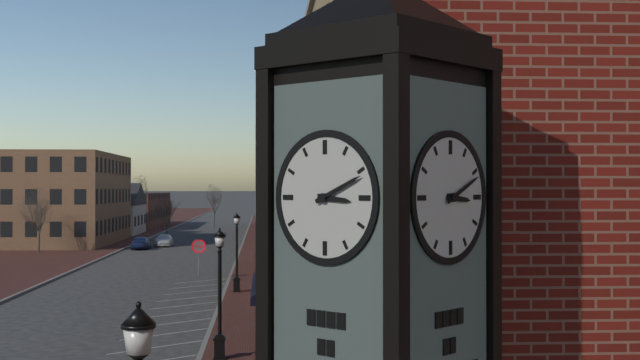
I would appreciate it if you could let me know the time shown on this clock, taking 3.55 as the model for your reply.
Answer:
3.11
